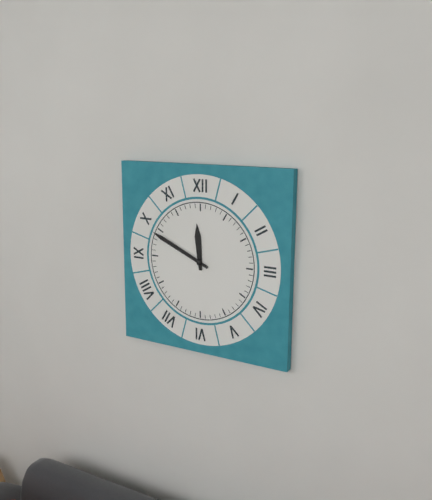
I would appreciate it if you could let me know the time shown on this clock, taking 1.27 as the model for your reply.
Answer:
11.49
